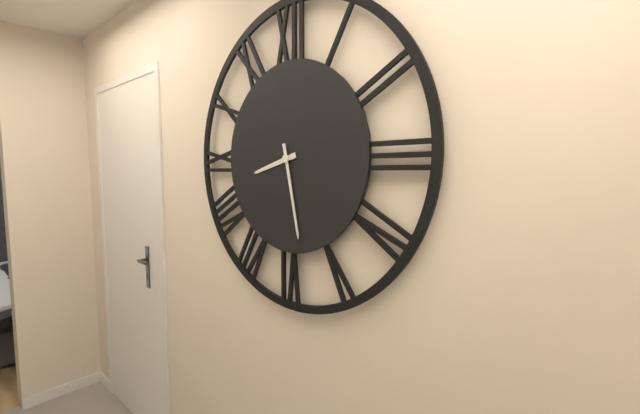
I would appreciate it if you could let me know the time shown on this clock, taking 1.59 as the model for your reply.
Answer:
8.28
